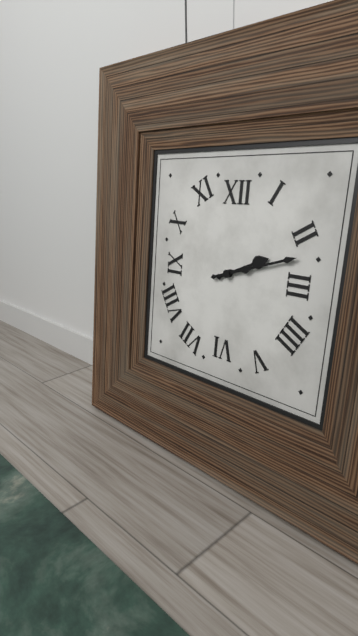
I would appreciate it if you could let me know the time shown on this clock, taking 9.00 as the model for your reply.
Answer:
2.12
